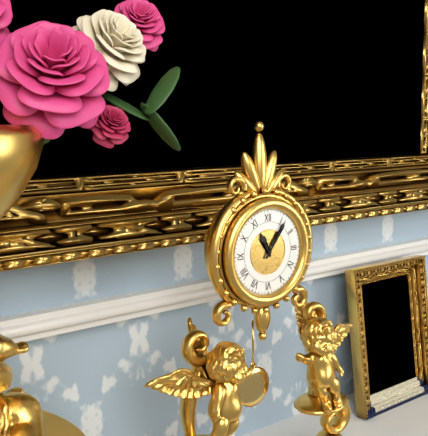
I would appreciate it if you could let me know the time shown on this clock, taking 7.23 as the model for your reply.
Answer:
11.06
